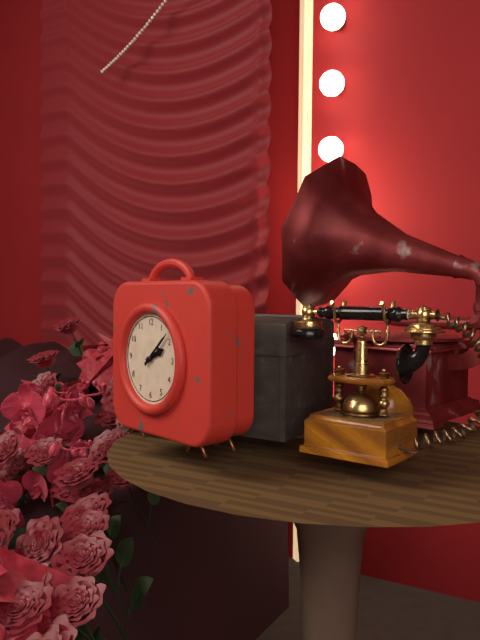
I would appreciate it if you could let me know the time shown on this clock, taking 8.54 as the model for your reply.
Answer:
2.08
